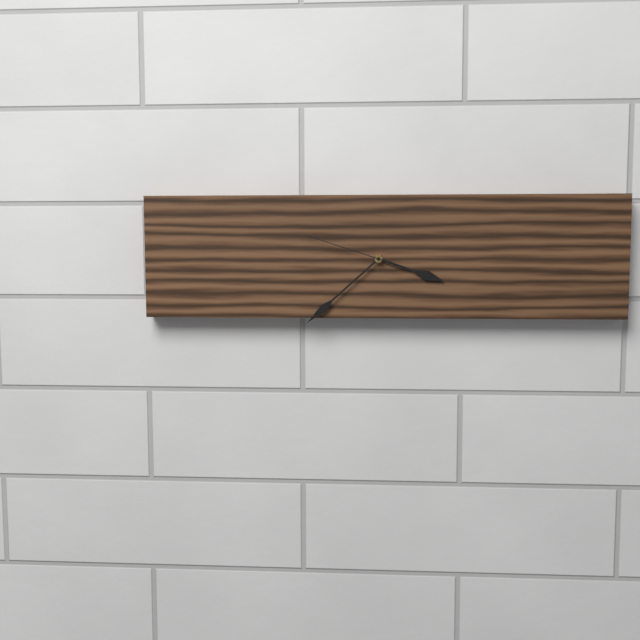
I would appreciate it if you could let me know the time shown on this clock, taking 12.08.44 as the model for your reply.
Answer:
3.38.48
